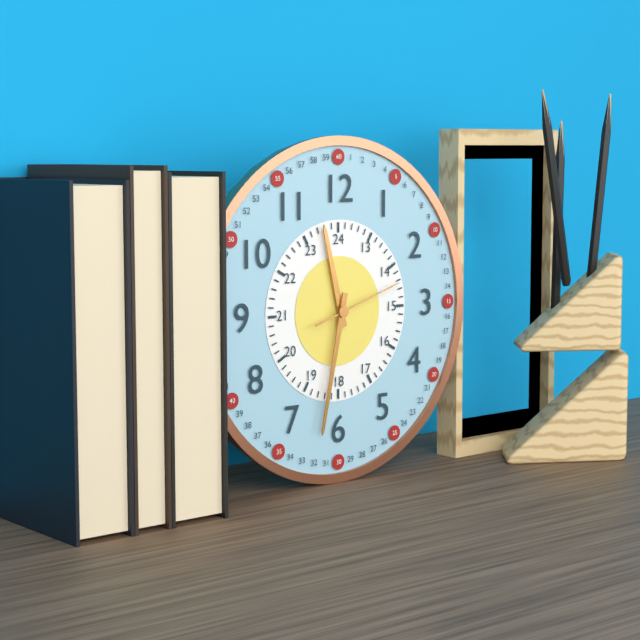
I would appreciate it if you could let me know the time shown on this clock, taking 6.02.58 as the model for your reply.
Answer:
11.32.12
